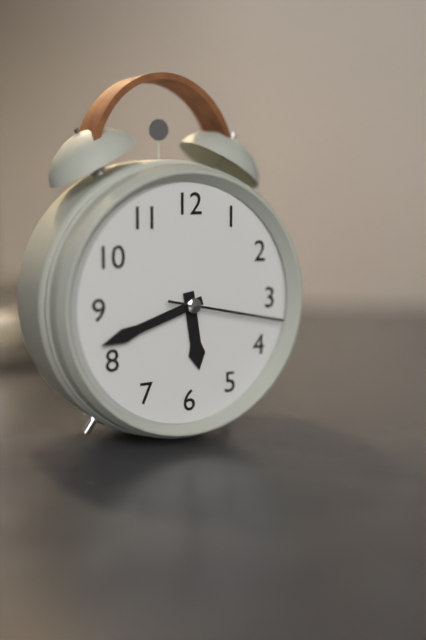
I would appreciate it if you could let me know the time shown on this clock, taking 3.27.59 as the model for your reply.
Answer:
5.42.17
